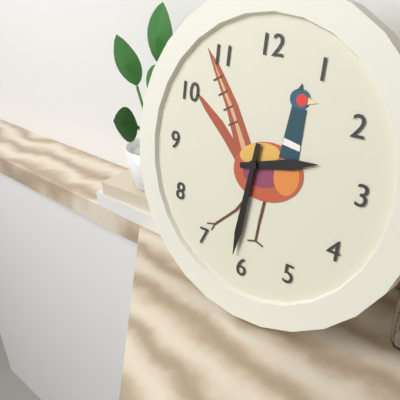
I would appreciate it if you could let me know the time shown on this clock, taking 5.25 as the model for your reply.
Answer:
2.31
